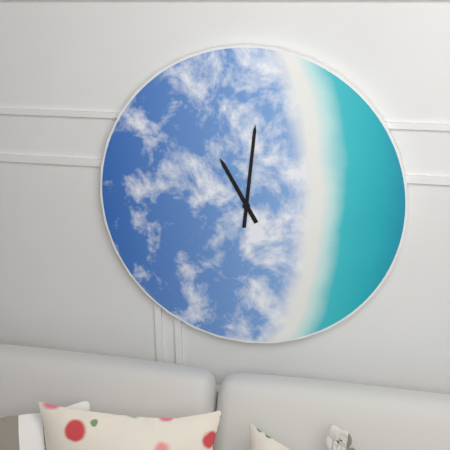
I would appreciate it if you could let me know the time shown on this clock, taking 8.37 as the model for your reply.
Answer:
11.01
